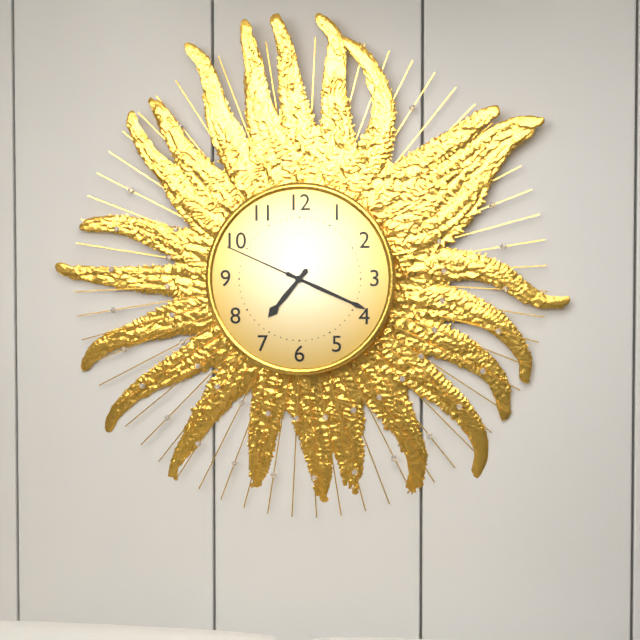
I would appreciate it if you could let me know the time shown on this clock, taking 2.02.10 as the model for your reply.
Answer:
7.19.49
